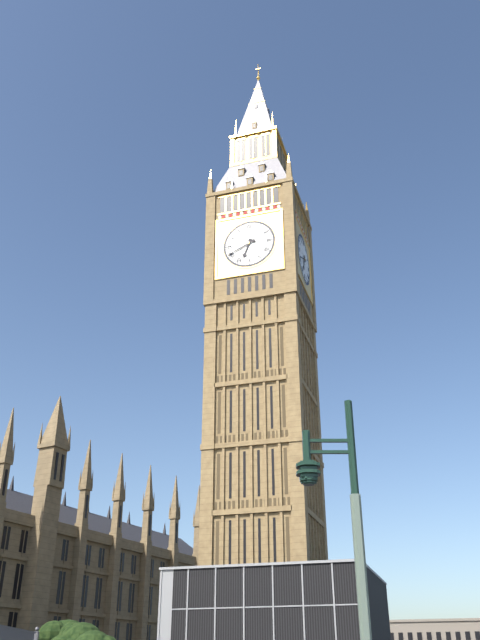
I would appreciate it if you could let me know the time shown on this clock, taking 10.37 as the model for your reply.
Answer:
6.41
